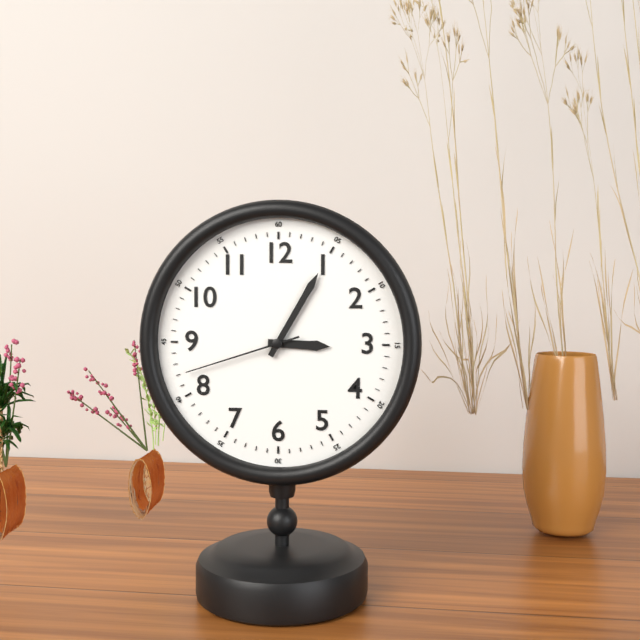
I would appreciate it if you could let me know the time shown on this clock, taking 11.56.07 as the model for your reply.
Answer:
3.05.42
